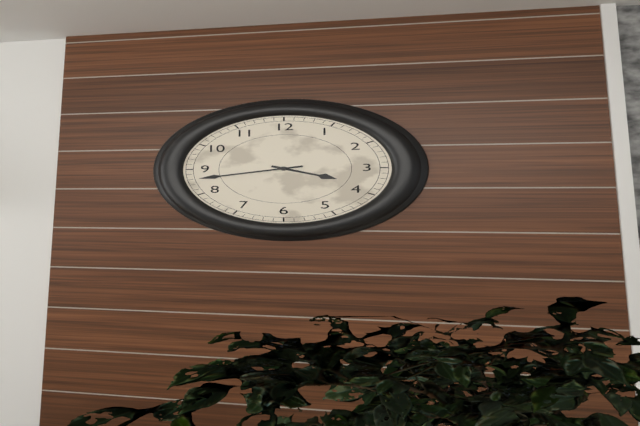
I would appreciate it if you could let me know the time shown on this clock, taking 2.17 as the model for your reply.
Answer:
3.43
